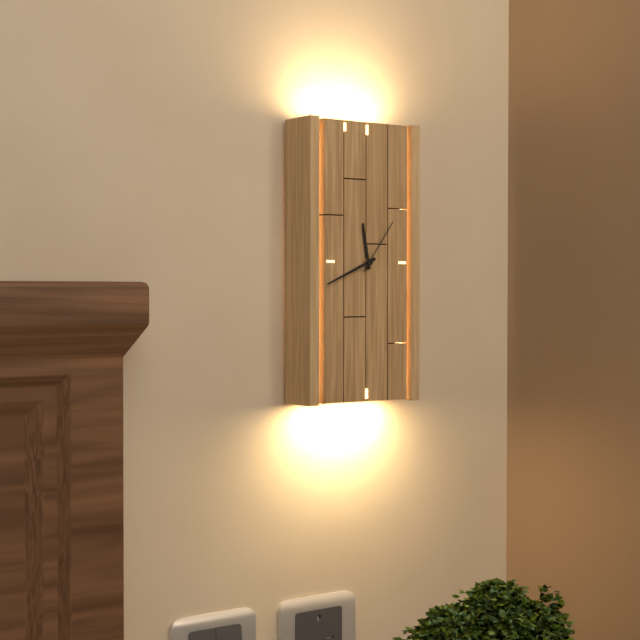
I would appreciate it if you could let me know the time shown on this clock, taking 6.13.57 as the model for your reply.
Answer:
11.41.06
